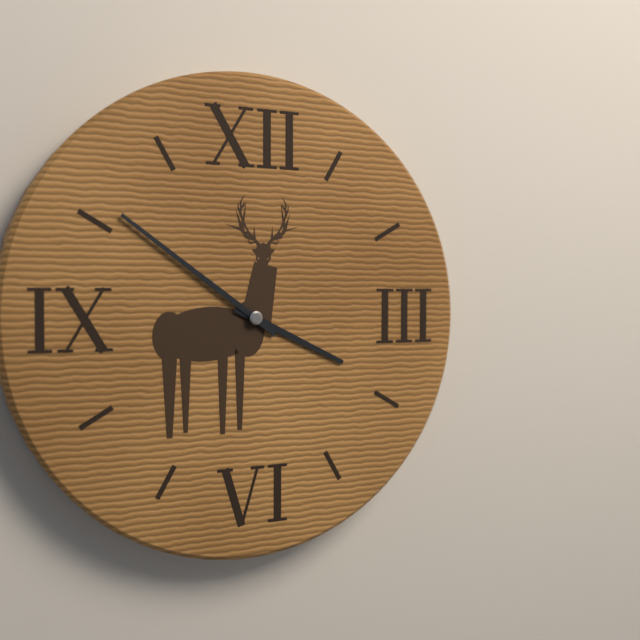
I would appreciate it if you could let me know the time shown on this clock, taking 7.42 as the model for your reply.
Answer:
3.51
